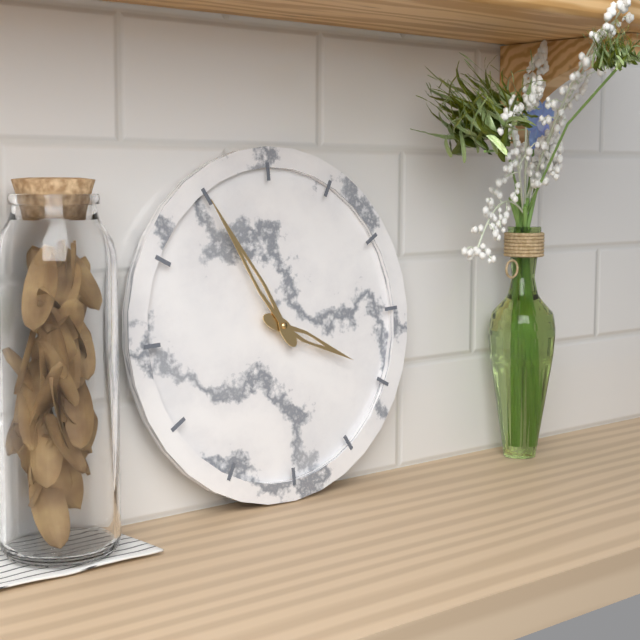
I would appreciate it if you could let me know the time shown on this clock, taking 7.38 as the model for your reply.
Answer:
3.55
